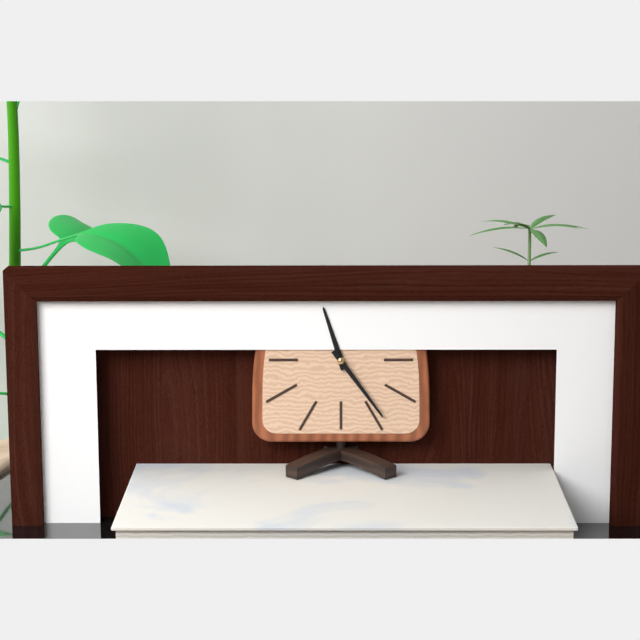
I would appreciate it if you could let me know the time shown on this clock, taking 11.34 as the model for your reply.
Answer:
11.24
